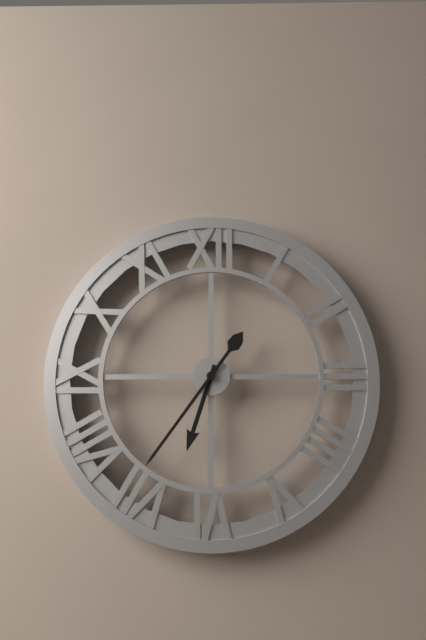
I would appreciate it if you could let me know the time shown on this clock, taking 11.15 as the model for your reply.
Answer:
6.36
